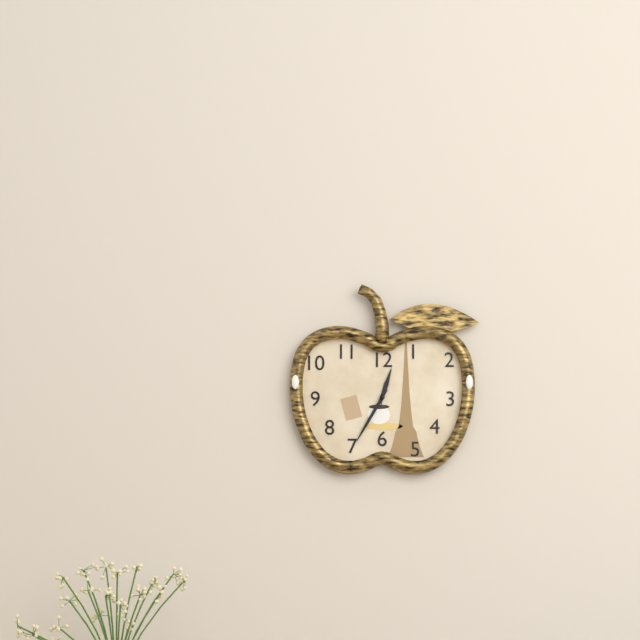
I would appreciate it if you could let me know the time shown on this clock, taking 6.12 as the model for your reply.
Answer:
12.35
